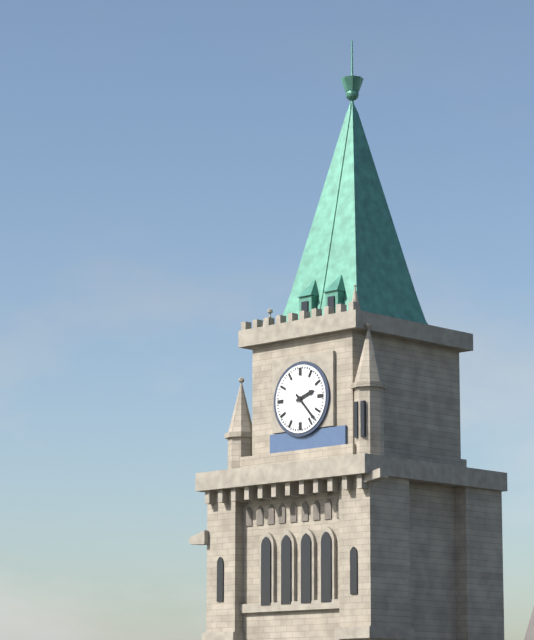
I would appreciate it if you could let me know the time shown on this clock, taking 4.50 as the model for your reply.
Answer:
2.23
